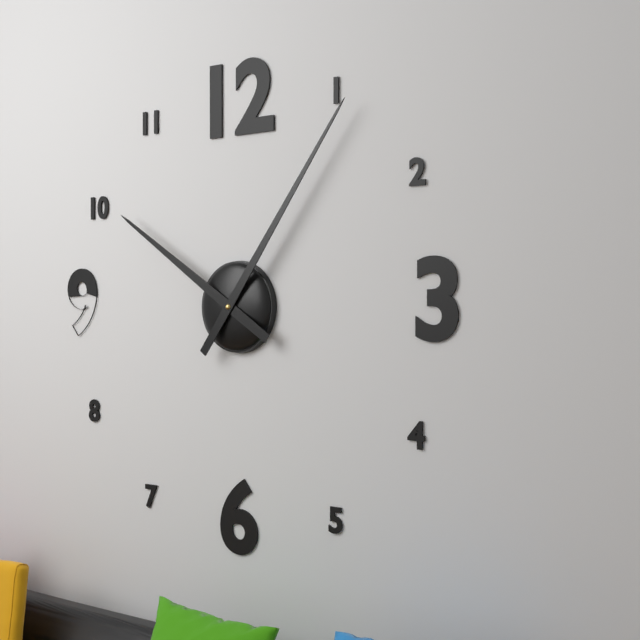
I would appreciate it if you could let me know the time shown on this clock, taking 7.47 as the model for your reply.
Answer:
10.06
